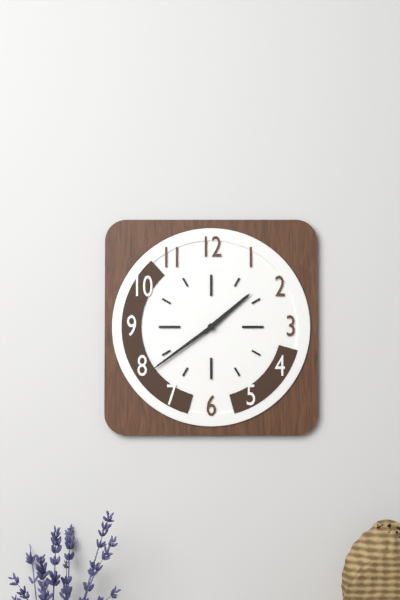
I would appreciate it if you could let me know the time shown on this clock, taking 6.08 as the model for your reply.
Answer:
1.39
